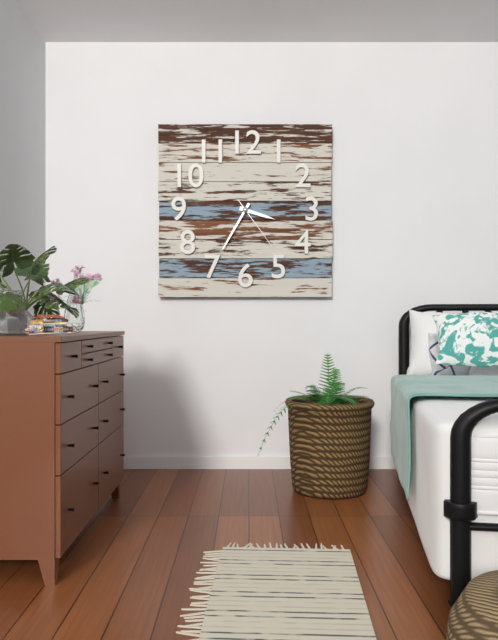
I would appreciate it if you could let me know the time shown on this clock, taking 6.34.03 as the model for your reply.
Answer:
3.35.24
